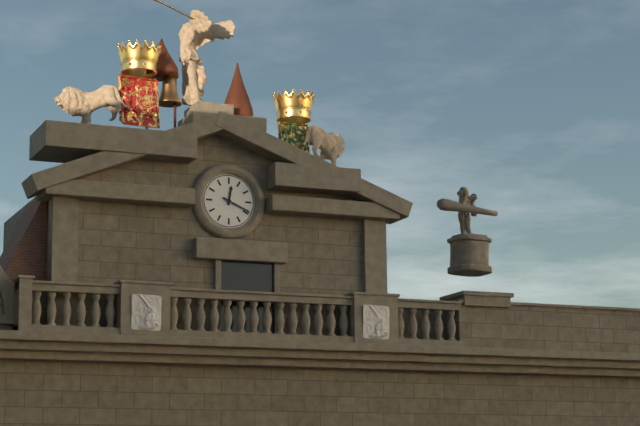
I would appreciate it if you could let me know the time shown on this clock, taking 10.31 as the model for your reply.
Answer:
12.19
